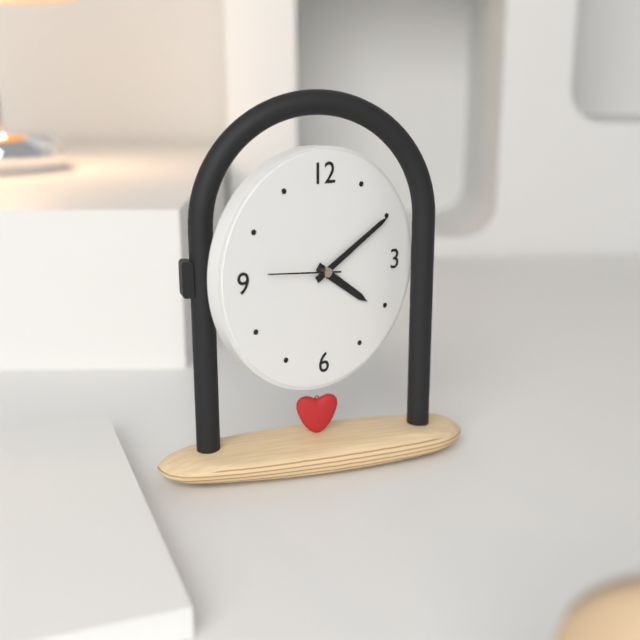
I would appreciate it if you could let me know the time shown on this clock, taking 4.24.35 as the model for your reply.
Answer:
4.10.46
